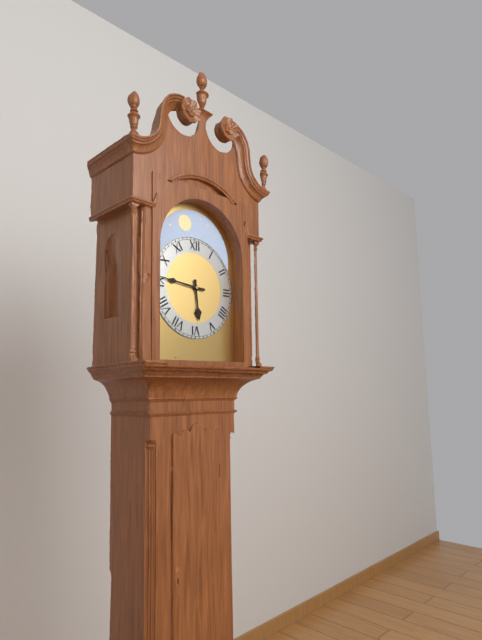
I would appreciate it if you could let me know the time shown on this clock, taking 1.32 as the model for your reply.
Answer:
5.46
